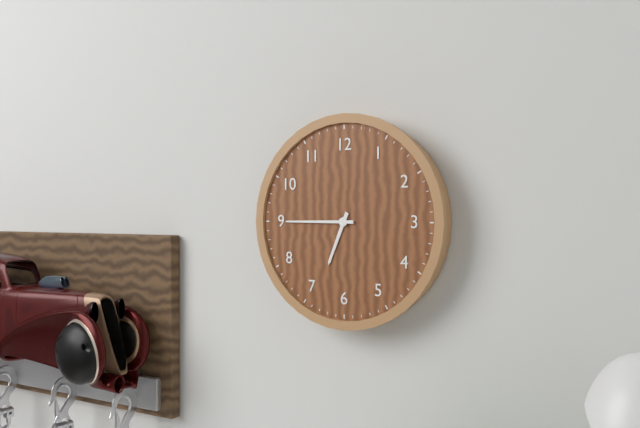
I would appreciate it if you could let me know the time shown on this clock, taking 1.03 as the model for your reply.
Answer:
6.45
